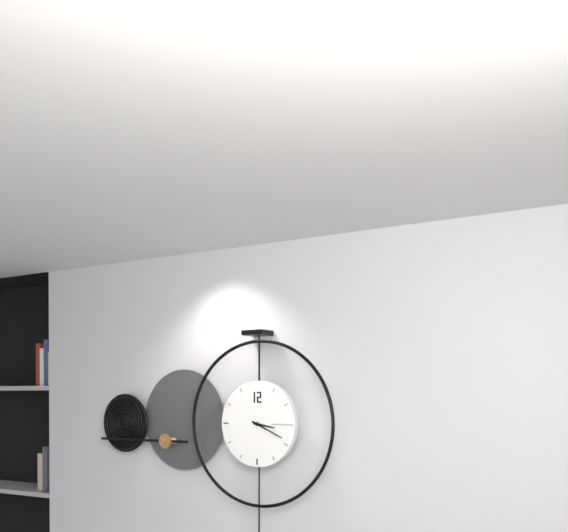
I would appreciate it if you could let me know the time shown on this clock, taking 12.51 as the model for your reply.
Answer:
3.19
